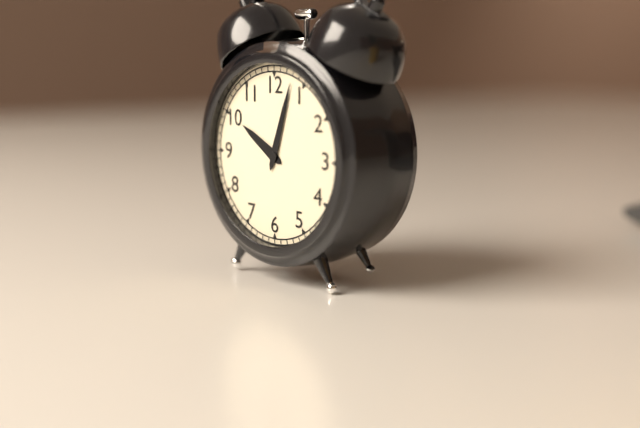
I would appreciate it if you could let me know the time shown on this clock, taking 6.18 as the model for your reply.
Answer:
10.03
